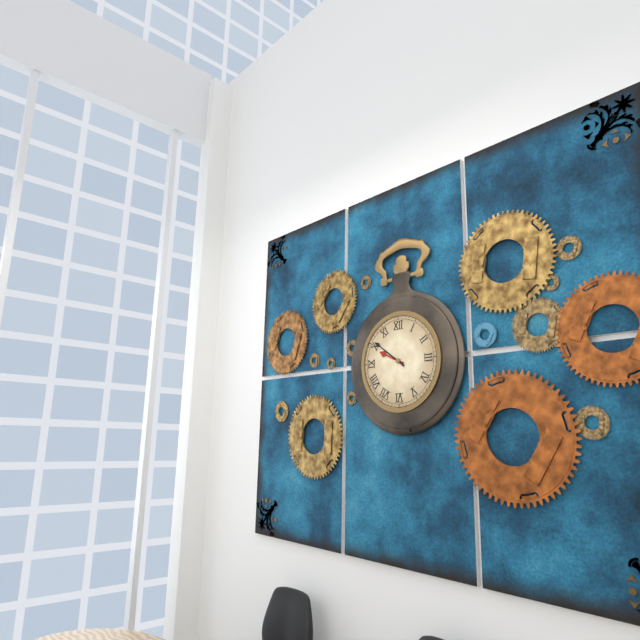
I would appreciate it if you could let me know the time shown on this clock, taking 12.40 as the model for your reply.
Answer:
9.51
